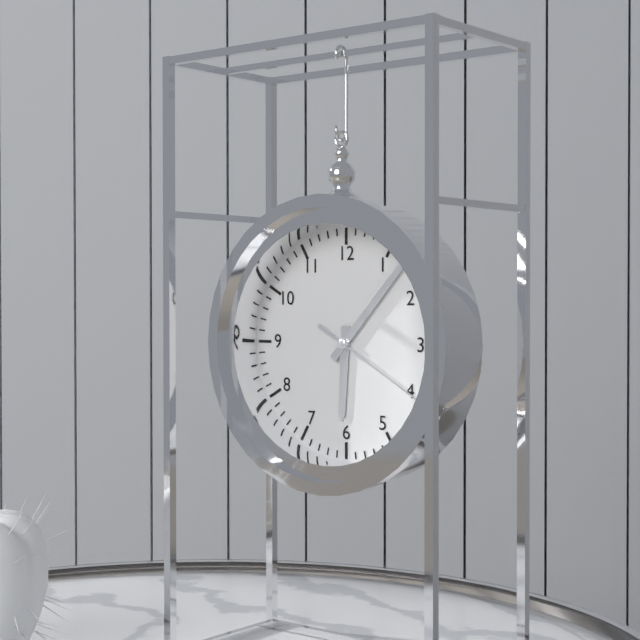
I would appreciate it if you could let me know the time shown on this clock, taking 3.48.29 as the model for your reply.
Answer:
6.07.20
